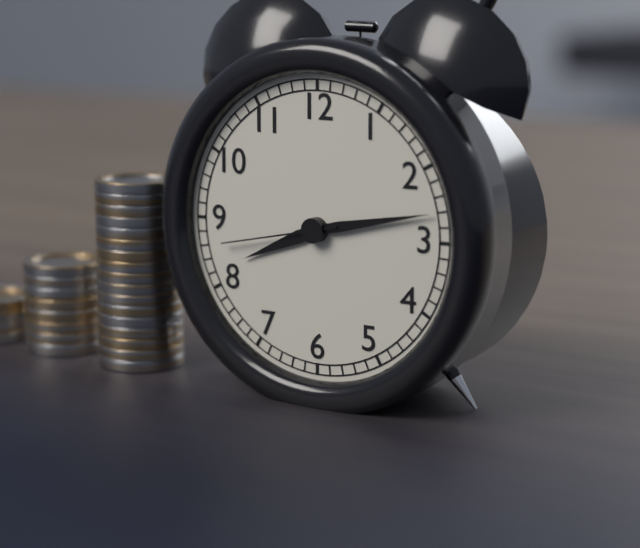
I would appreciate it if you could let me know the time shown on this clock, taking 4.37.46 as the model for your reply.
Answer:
8.13.43
